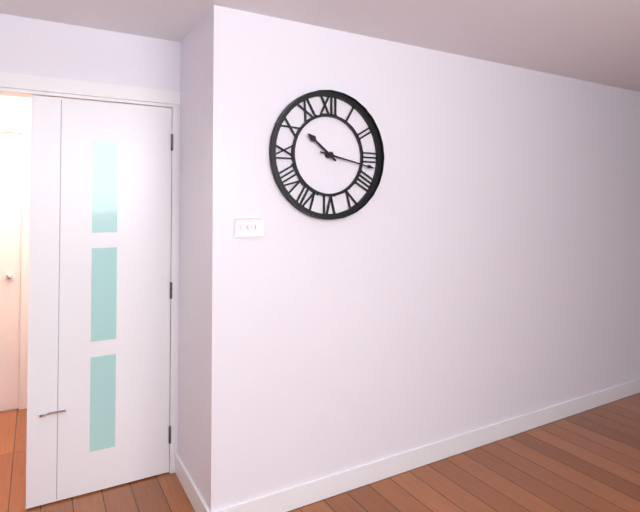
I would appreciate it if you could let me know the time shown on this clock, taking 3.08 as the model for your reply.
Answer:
10.17
